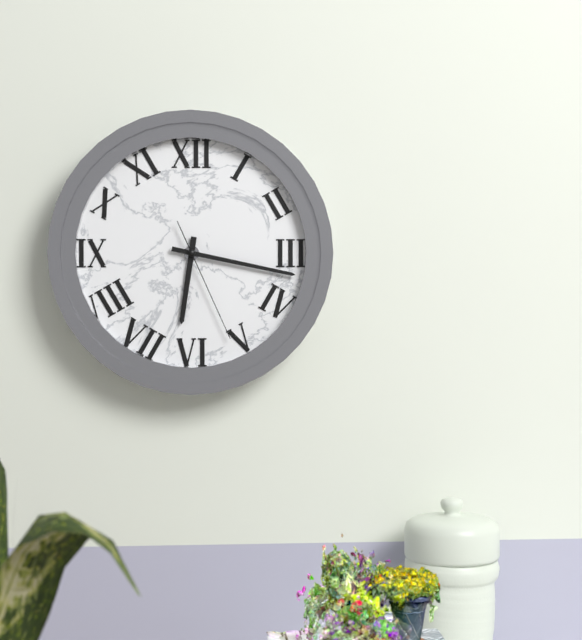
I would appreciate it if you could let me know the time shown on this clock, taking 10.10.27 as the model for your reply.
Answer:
6.17.26
